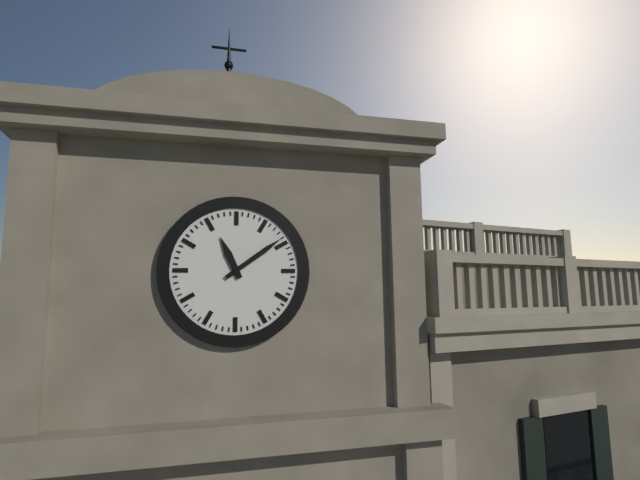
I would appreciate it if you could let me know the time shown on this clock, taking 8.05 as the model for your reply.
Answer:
11.09
